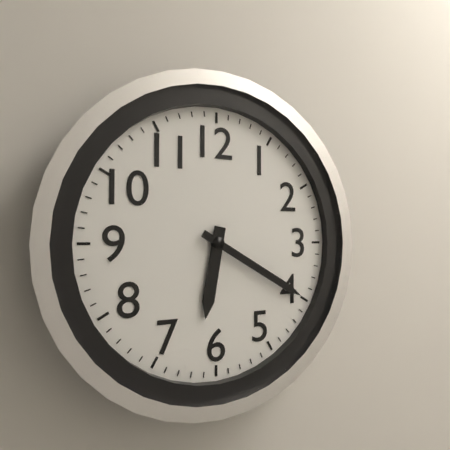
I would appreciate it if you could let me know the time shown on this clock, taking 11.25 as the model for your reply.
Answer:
6.20
